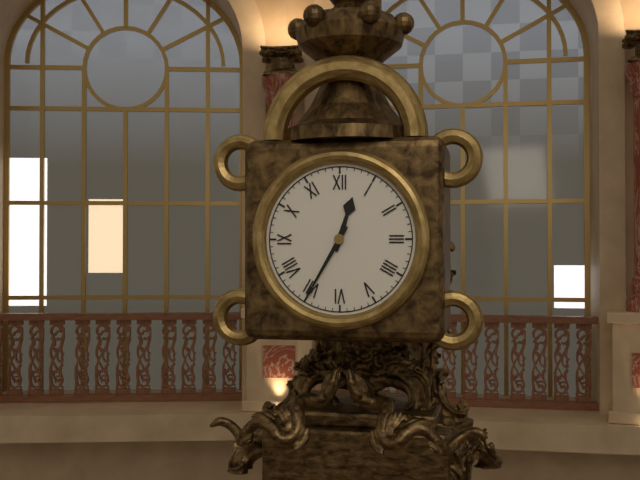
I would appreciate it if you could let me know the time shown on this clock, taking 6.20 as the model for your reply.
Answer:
12.35
